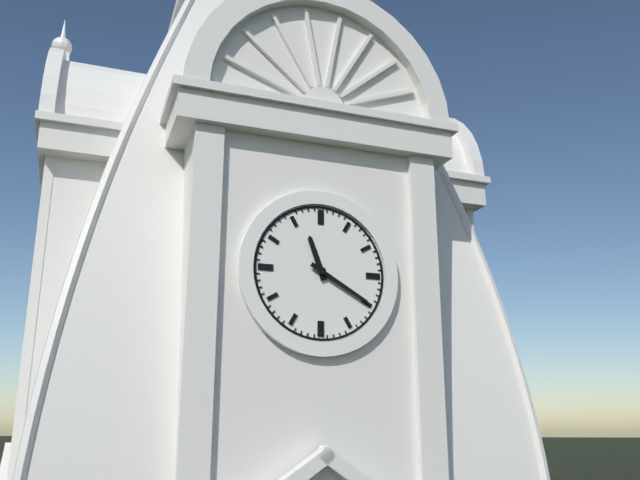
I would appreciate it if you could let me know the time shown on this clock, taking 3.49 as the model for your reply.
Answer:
11.20
